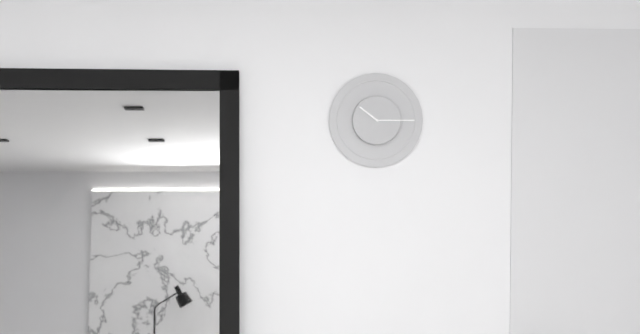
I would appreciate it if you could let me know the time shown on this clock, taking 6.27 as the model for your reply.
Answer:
10.15
